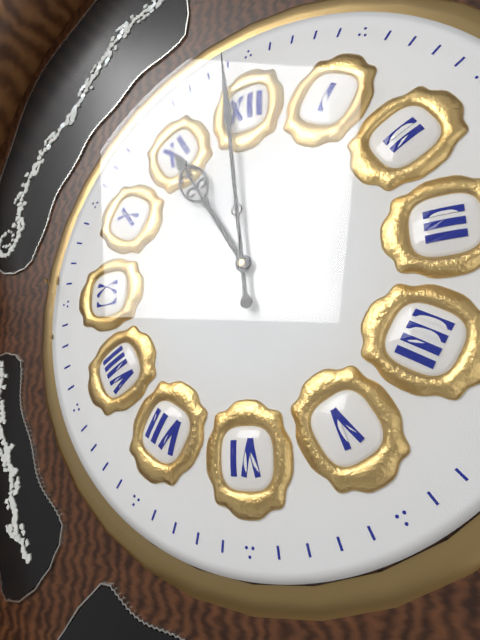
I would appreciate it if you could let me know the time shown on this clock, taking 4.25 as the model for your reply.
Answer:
10.59
